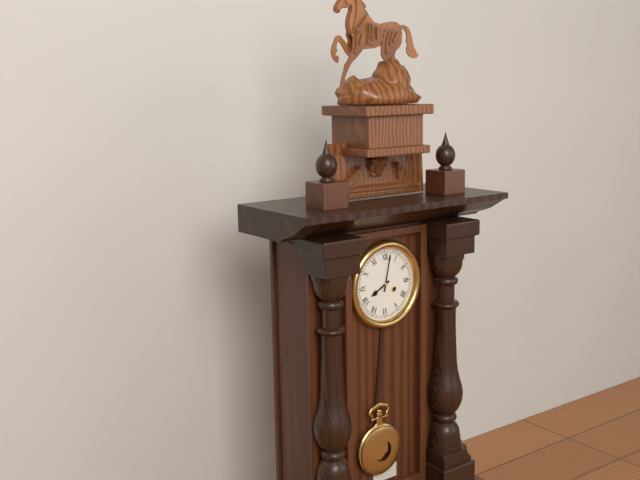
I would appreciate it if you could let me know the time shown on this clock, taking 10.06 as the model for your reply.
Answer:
8.02
